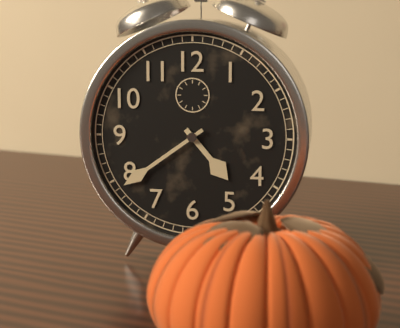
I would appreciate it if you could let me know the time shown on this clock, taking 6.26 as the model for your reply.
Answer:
4.39
